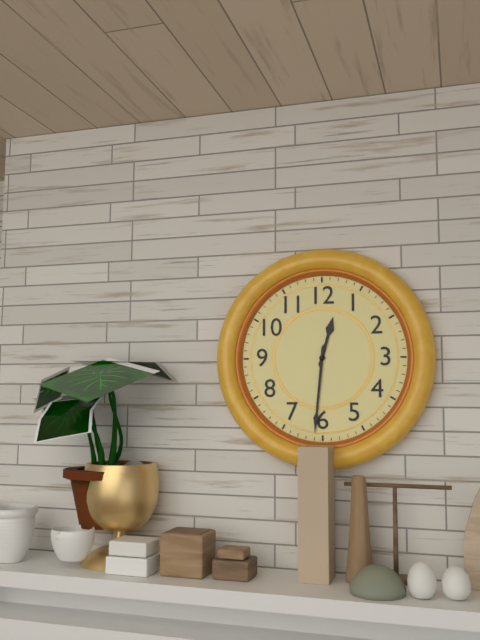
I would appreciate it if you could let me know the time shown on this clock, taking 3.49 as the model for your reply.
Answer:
12.31
